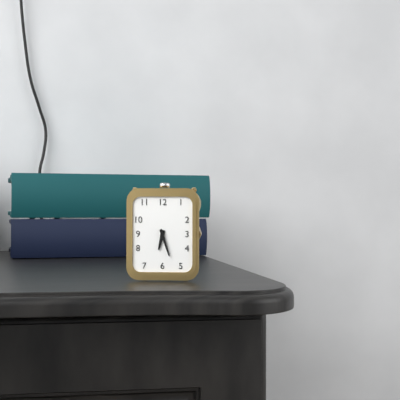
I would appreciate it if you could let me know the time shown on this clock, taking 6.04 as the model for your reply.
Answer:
6.27
